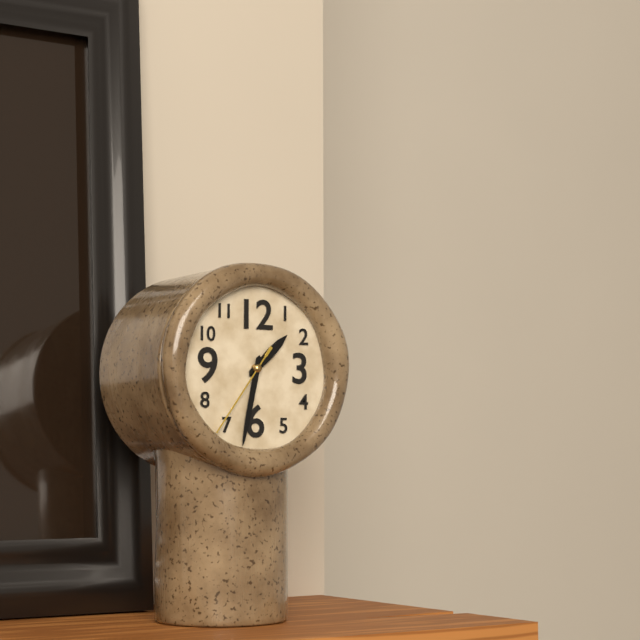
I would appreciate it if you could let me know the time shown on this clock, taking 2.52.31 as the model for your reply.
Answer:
1.32.36
